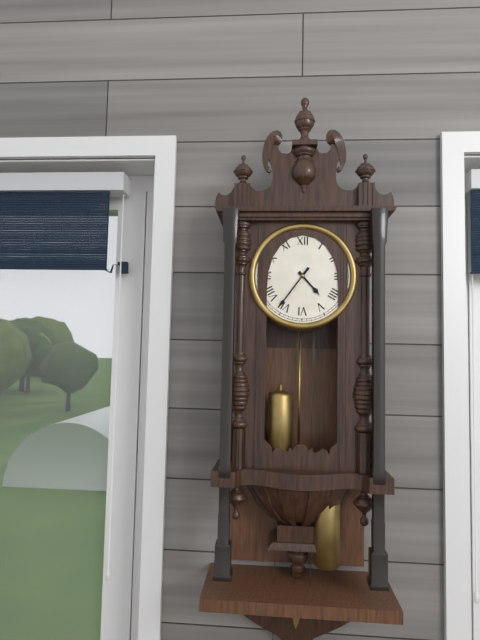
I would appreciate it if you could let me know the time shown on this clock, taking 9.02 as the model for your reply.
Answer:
4.36
